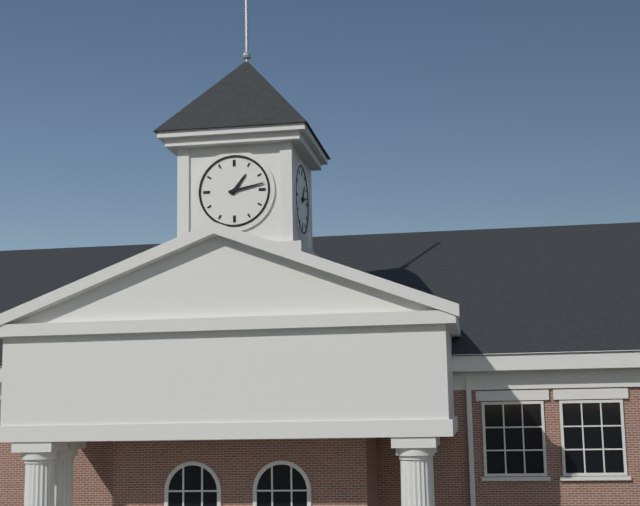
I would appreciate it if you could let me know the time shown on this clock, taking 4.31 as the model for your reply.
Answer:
1.13
